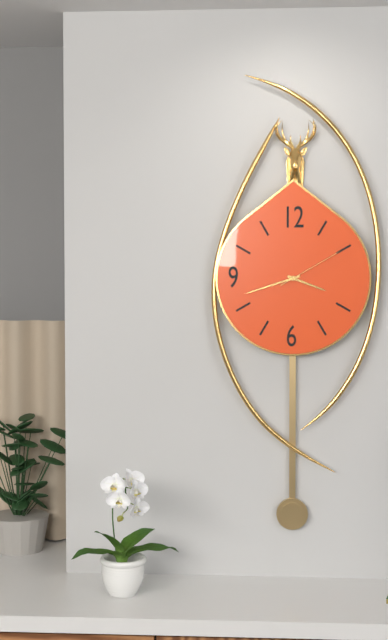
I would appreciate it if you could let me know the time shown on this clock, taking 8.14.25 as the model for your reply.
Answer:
3.42.10
